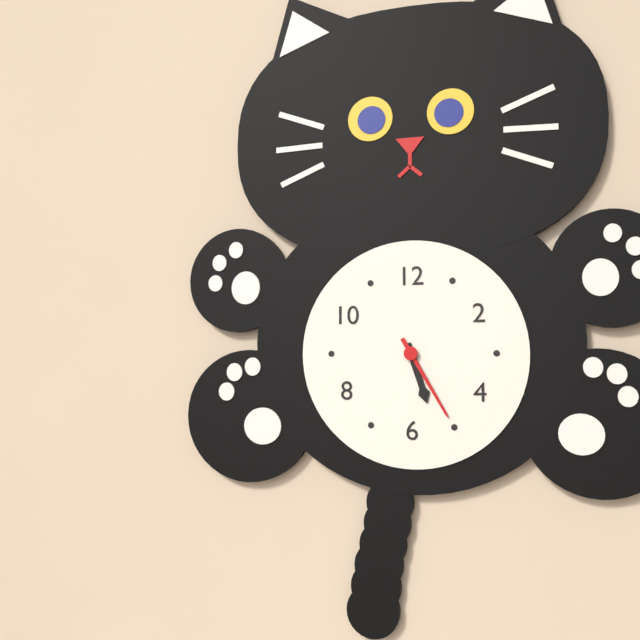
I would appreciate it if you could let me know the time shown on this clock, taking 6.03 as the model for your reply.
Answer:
5.25
